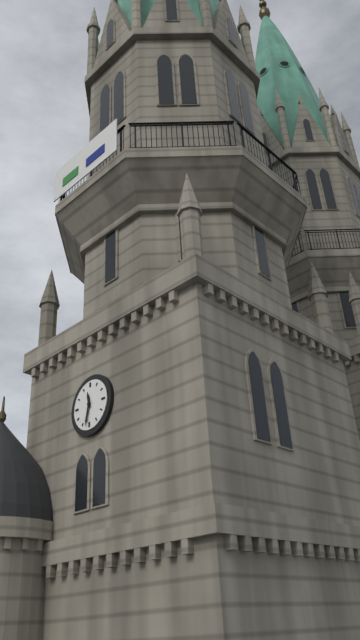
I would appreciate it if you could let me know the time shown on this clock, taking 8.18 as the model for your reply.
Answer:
11.32
